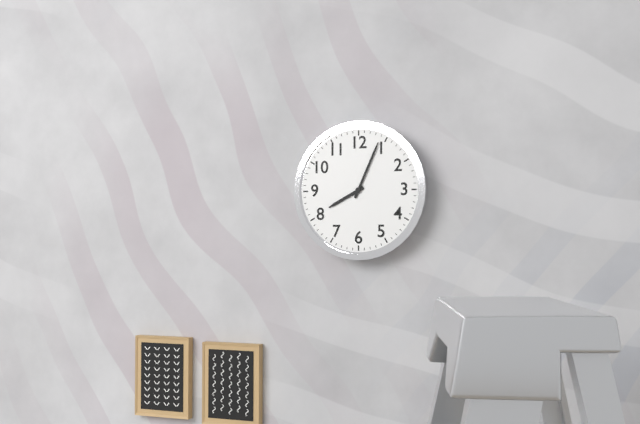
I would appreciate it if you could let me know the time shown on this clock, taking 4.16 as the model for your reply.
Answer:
8.04
